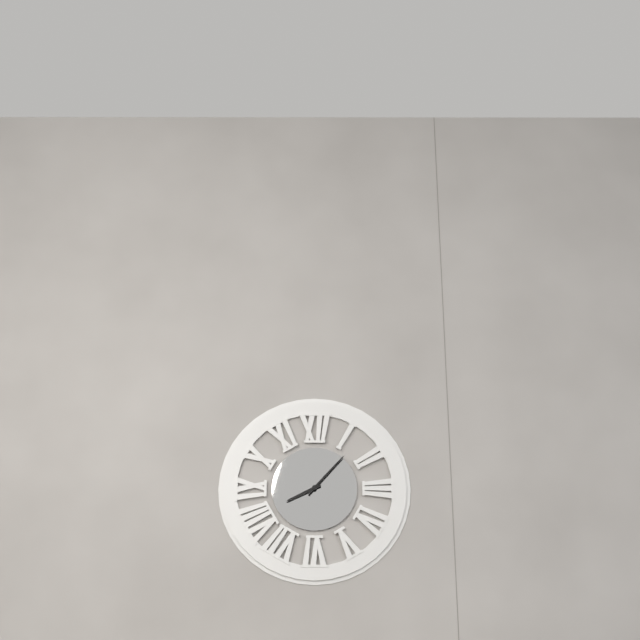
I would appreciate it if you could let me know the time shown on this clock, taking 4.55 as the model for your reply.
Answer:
8.07
